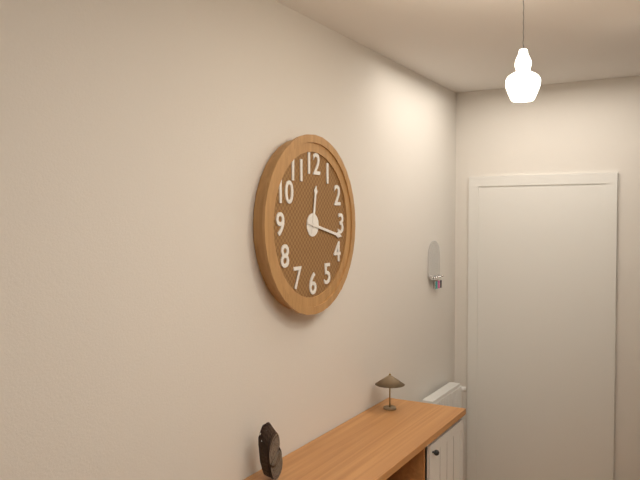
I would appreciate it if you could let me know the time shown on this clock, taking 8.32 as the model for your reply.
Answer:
12.17
